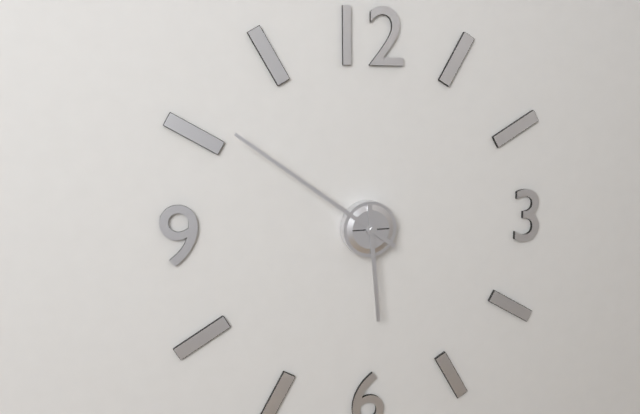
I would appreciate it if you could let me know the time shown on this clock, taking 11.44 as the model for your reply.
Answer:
5.51
